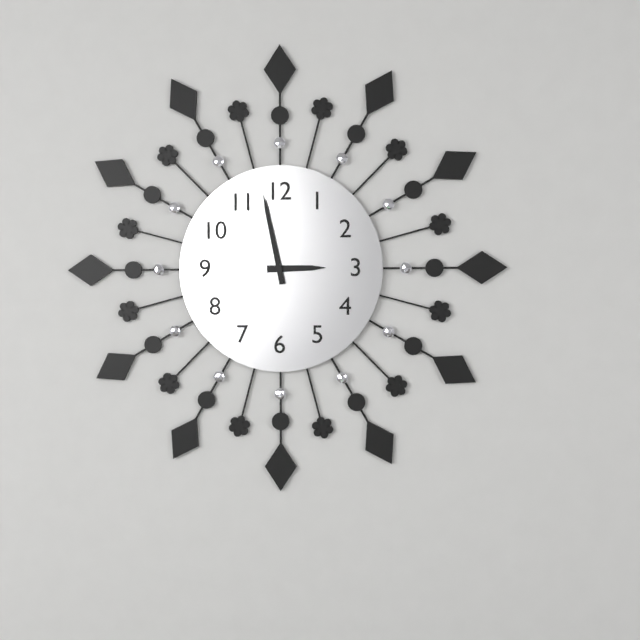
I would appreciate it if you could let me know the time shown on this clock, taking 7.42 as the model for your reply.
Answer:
2.58
